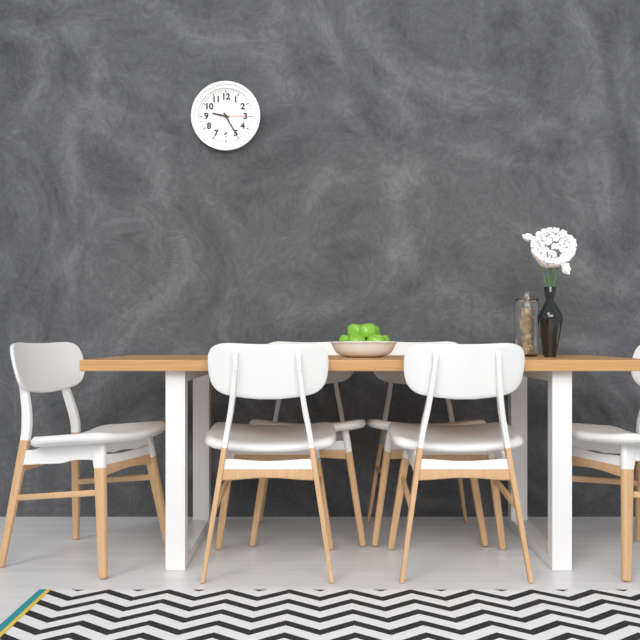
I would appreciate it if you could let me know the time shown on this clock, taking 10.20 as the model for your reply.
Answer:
9.25
